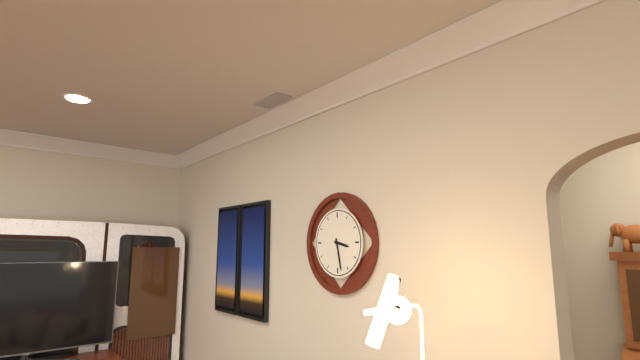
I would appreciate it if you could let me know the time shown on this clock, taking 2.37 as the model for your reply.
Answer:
3.28
